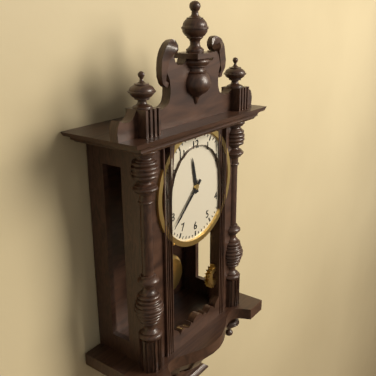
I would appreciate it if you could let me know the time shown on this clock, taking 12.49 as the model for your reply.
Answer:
11.38
